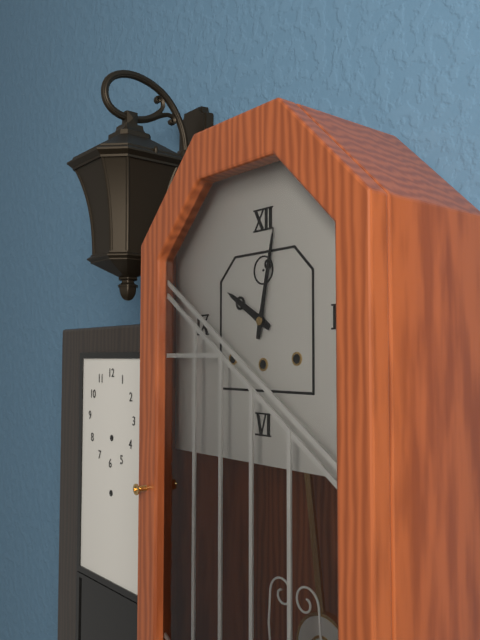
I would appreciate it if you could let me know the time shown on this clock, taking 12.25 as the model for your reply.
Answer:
10.02
